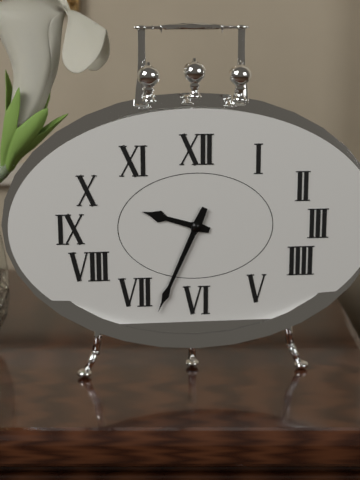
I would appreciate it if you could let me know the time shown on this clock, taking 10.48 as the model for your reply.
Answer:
9.34
